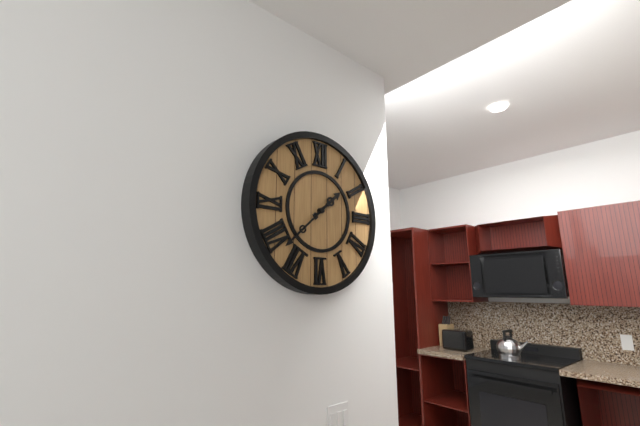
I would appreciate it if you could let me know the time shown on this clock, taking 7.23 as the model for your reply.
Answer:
1.38
